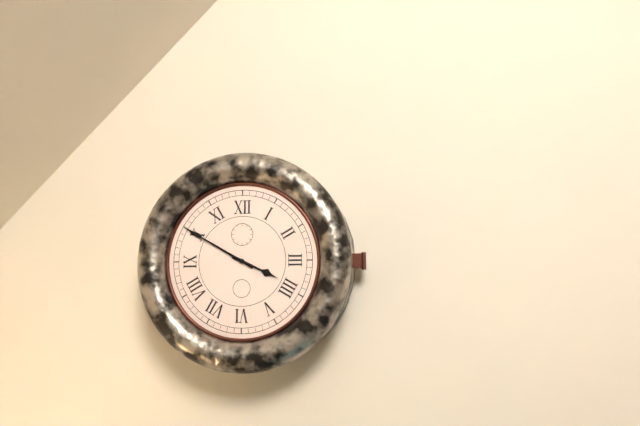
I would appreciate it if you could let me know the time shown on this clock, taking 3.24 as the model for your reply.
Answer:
3.50
